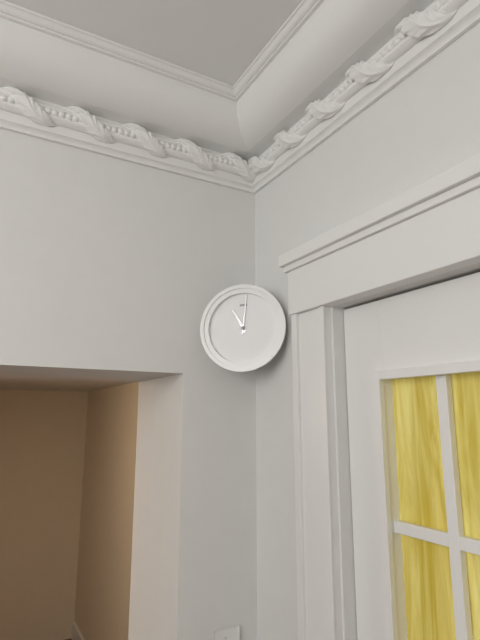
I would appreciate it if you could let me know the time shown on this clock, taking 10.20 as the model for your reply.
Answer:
11.01
